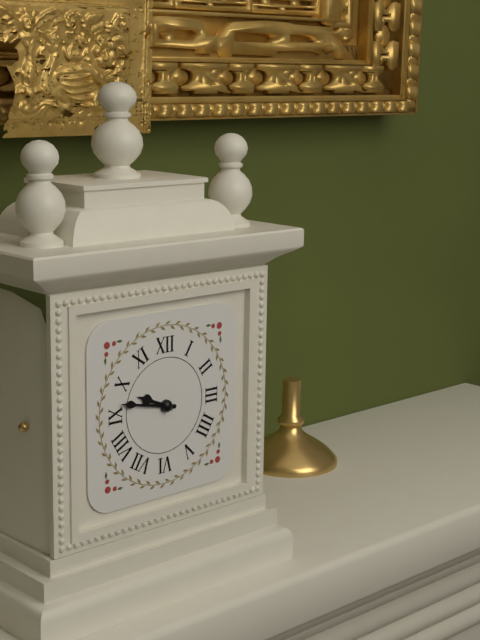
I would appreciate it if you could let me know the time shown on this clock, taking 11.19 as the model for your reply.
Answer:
9.47
